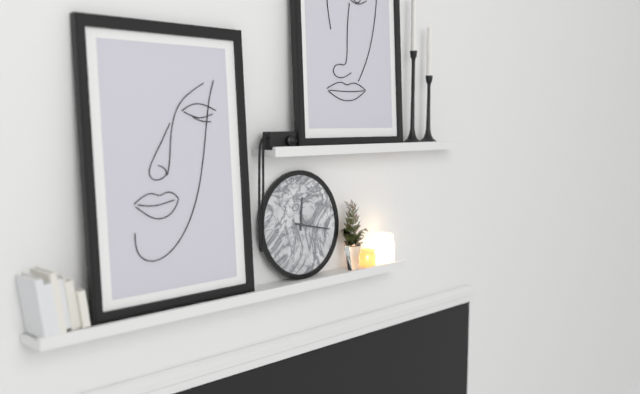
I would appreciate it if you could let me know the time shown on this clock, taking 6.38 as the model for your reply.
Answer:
12.17
